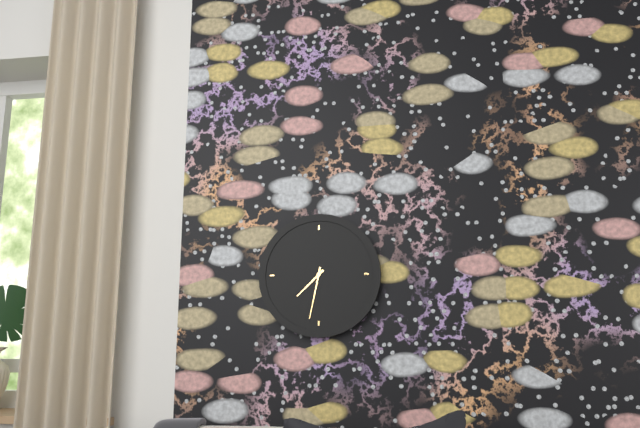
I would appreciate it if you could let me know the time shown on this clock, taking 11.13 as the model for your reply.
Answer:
7.32
